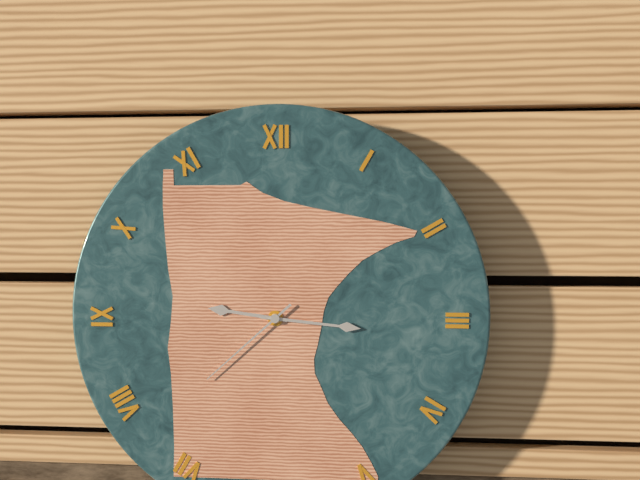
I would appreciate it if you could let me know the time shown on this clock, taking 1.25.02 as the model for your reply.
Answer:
9.16.38
